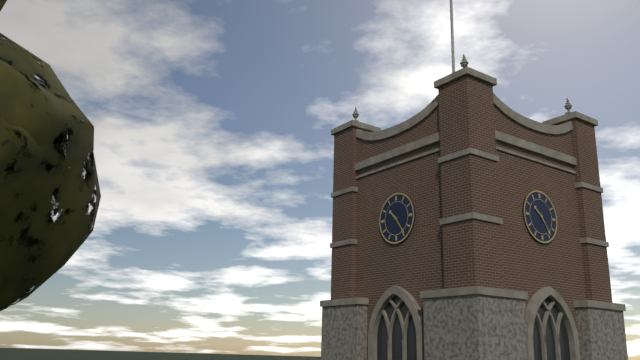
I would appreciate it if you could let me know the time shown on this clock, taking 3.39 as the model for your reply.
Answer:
10.24
